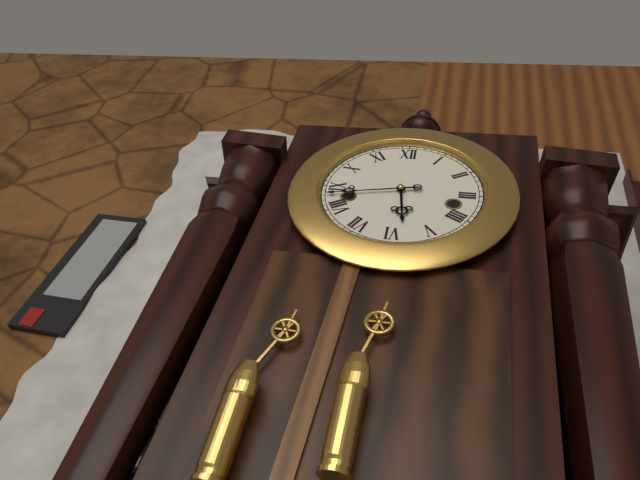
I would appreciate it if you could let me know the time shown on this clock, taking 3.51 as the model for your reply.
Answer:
5.43
